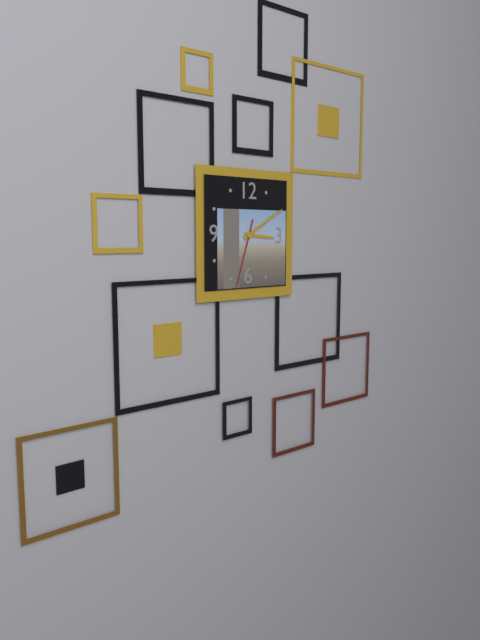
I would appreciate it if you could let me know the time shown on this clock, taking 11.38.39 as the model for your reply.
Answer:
3.10.33
